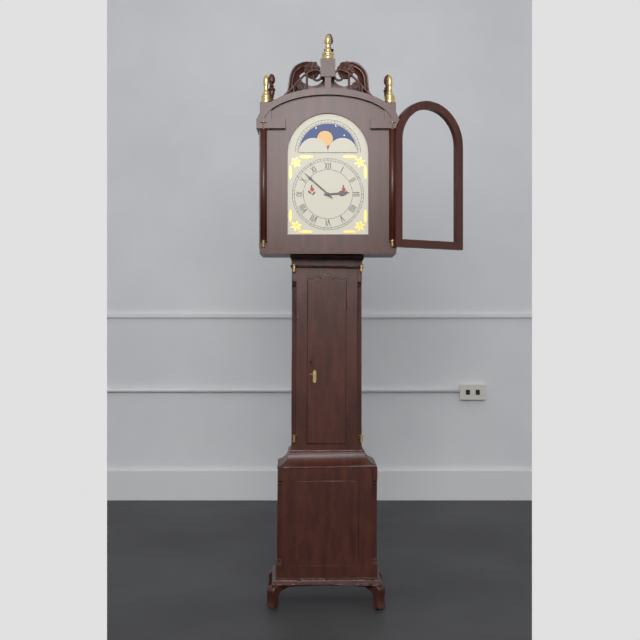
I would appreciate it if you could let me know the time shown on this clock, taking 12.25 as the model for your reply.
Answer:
2.52
